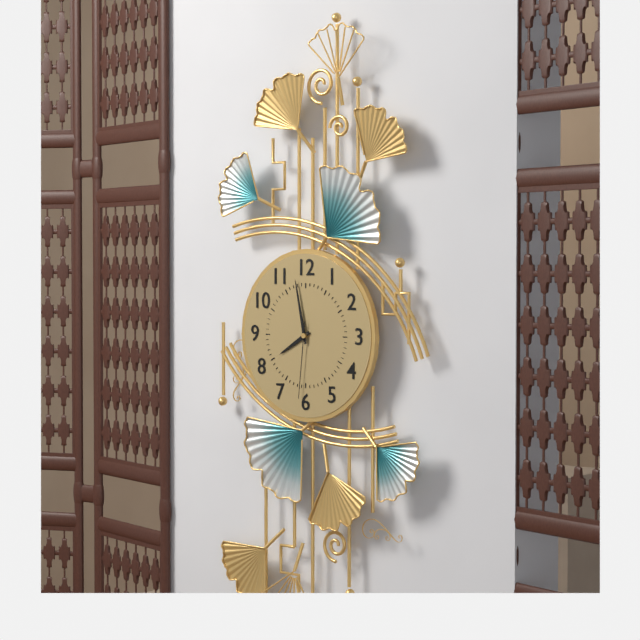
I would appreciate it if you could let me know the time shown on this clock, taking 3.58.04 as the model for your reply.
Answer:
7.58.31
